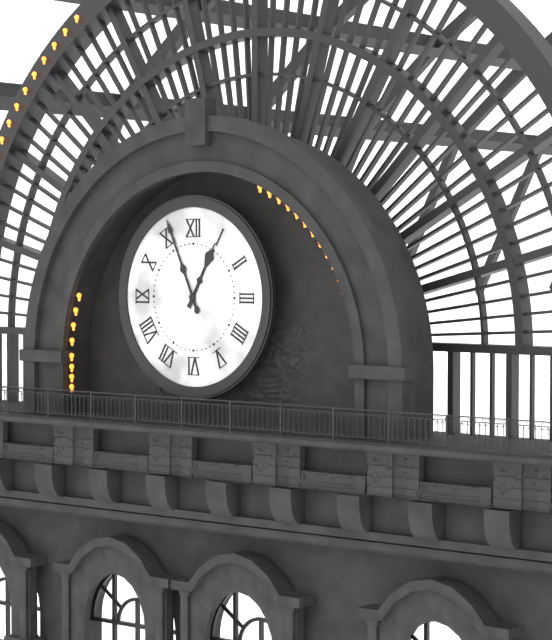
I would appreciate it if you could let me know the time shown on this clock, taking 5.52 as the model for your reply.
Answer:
12.56
